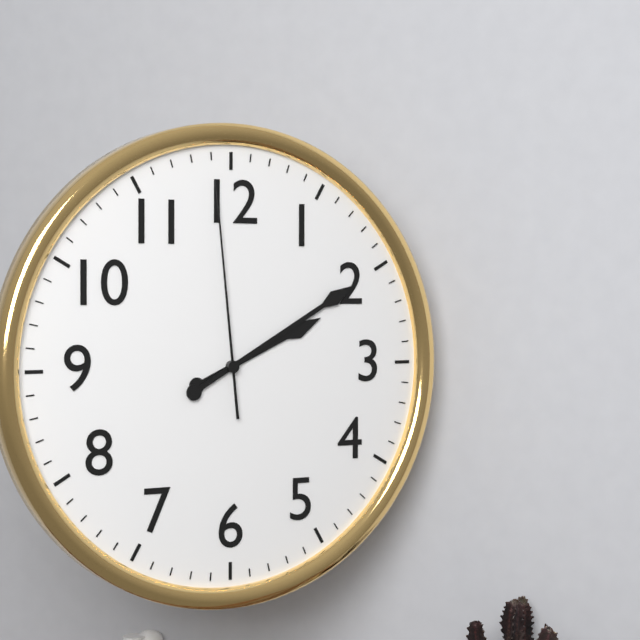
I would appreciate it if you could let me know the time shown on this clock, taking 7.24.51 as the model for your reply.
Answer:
2.10.59
